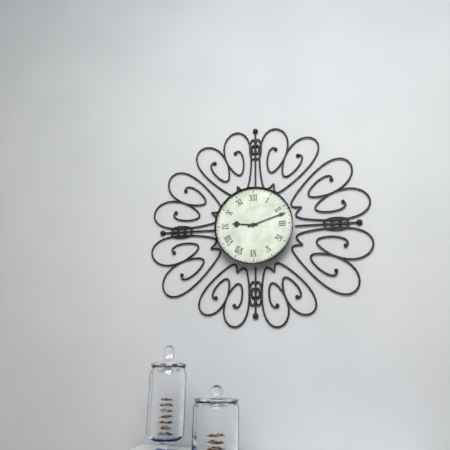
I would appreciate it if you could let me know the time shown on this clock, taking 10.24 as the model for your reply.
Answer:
9.12
